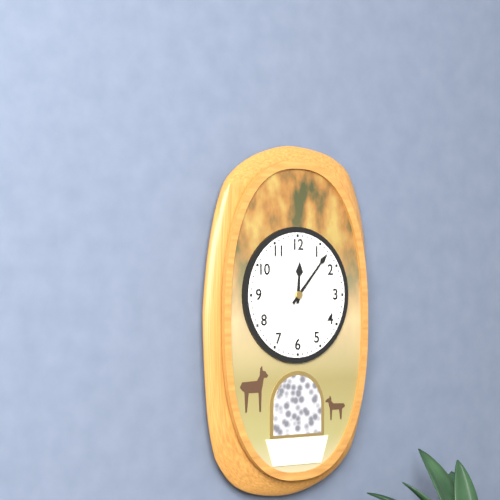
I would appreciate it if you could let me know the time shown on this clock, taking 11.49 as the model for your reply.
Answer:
12.07
